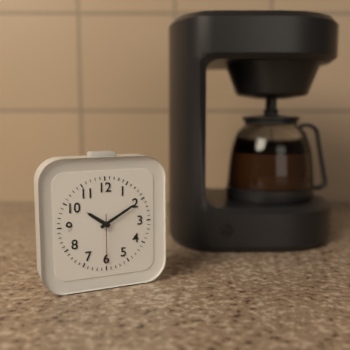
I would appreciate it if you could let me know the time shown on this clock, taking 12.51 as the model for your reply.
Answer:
10.10
